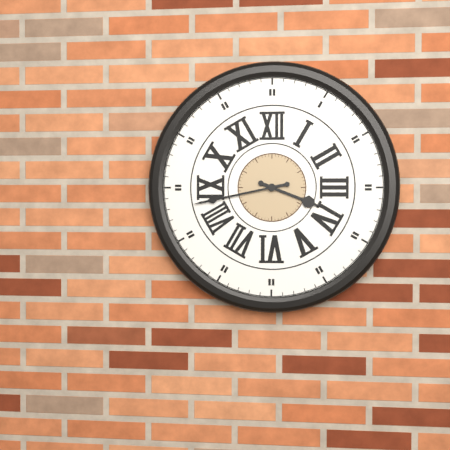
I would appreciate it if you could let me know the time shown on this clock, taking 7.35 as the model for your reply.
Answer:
3.43
